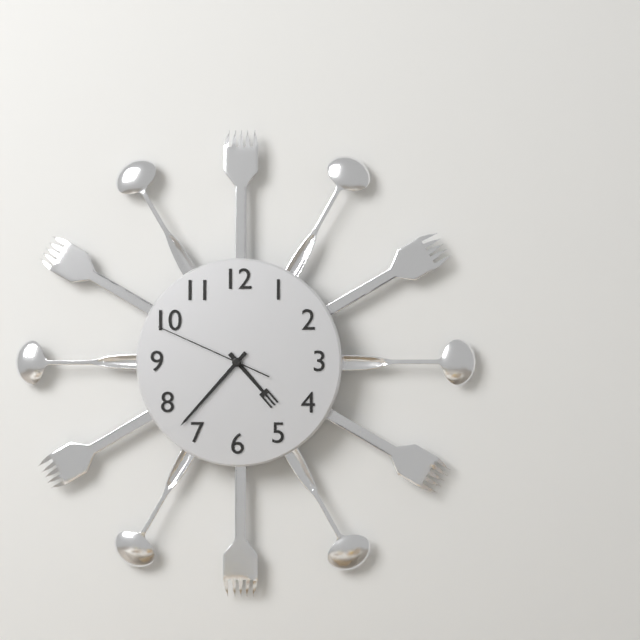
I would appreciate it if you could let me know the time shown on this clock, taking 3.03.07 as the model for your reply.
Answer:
4.37.49
